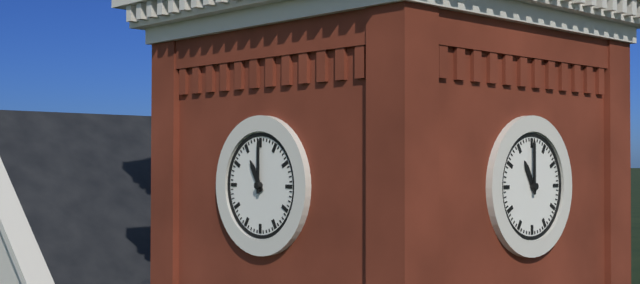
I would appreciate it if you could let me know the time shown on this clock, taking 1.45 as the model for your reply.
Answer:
11.00
